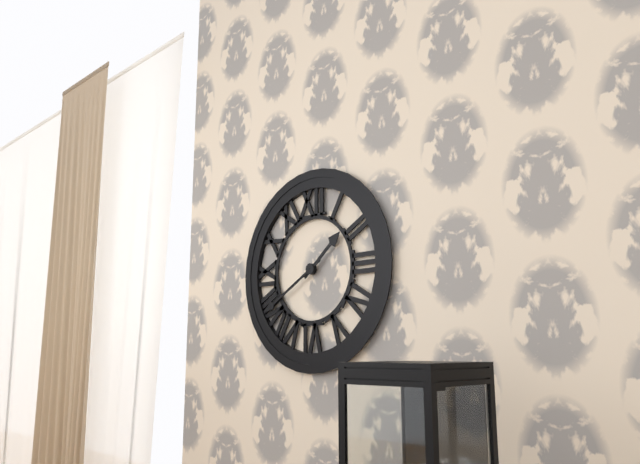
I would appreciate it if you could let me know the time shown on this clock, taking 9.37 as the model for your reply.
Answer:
1.40
